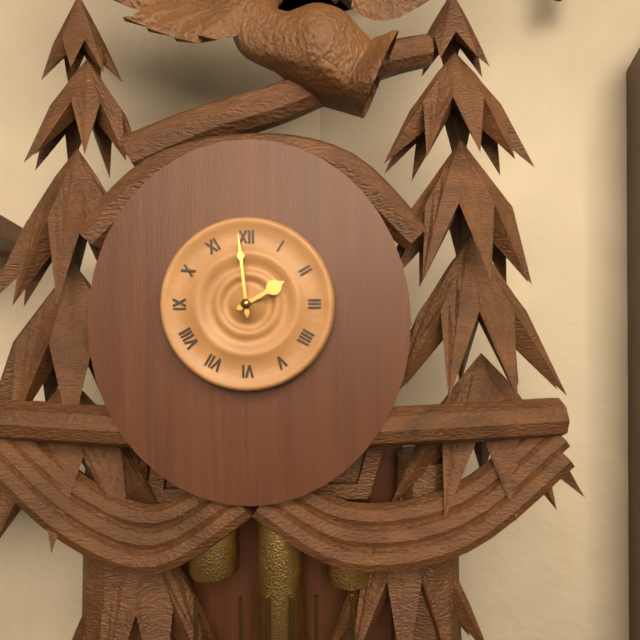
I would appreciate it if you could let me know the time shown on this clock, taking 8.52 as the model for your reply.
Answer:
1.59
